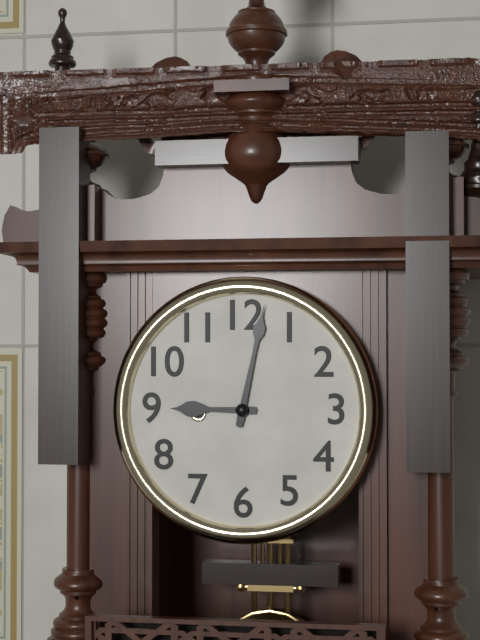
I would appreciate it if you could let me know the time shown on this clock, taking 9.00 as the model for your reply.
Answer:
9.02
